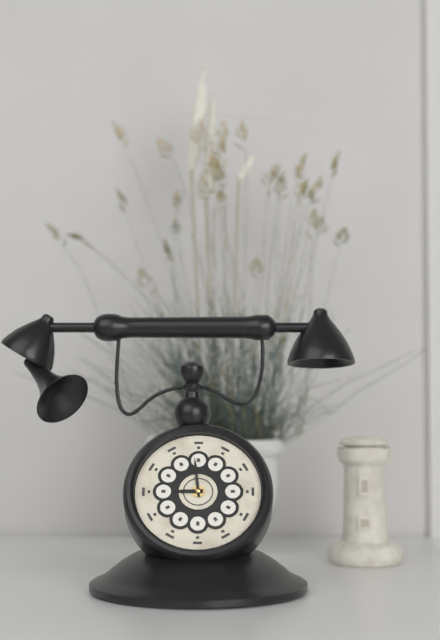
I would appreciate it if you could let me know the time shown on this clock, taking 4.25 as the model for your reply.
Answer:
8.59
